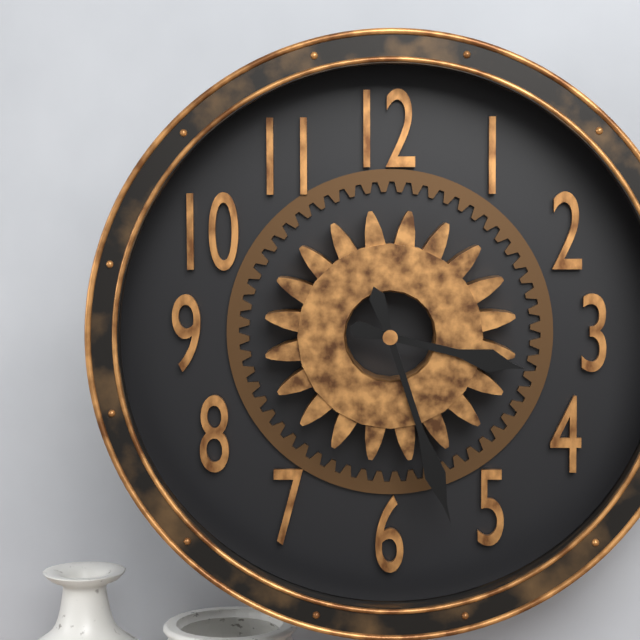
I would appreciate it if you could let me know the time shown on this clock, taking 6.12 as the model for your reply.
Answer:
3.27
